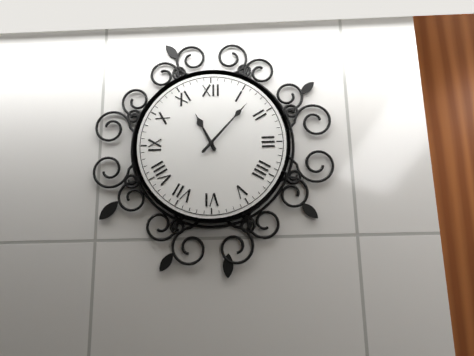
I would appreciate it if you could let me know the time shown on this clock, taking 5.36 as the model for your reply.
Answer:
11.07
